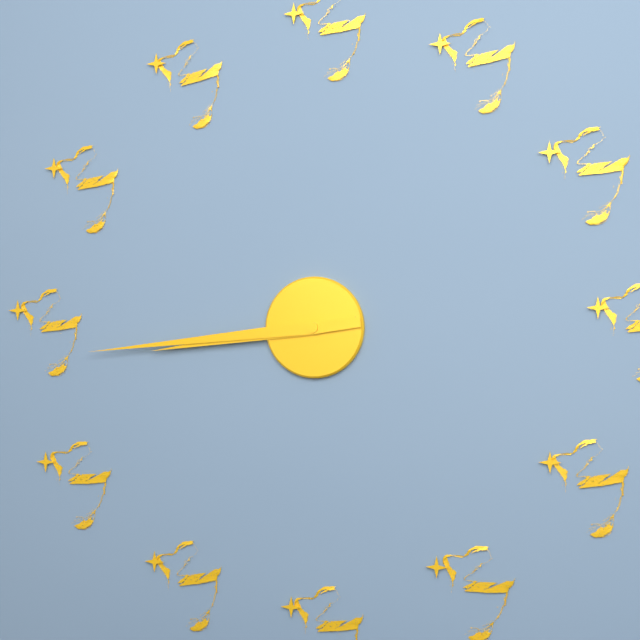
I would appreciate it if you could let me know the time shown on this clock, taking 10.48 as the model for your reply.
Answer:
8.44
